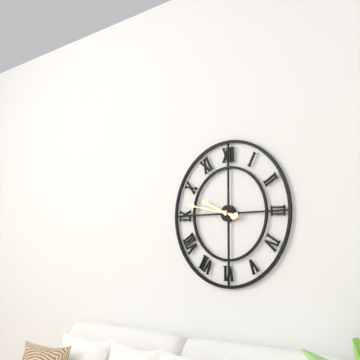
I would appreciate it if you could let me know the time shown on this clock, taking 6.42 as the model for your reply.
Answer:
9.47
